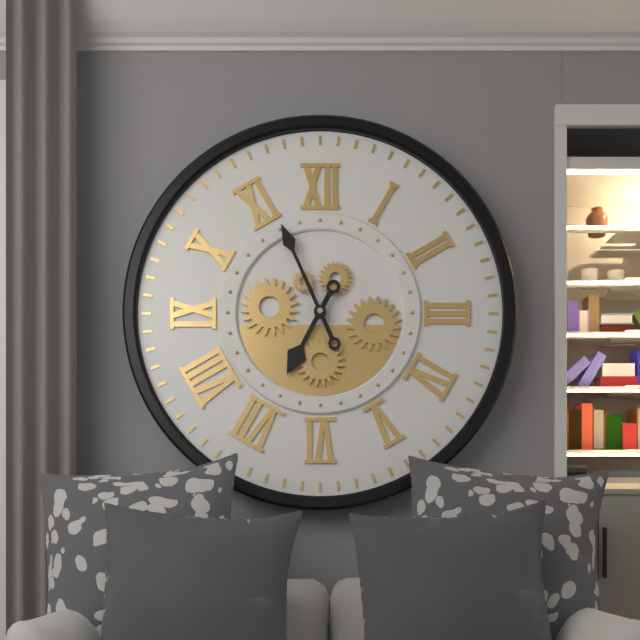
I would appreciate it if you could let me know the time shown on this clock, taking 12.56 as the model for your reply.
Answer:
6.56
